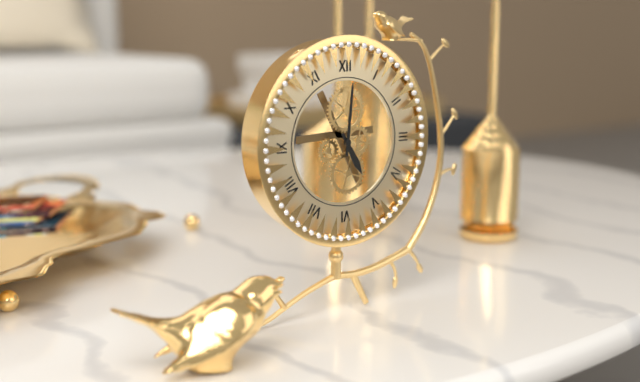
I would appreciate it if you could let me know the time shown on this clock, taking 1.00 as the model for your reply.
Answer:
5.01
